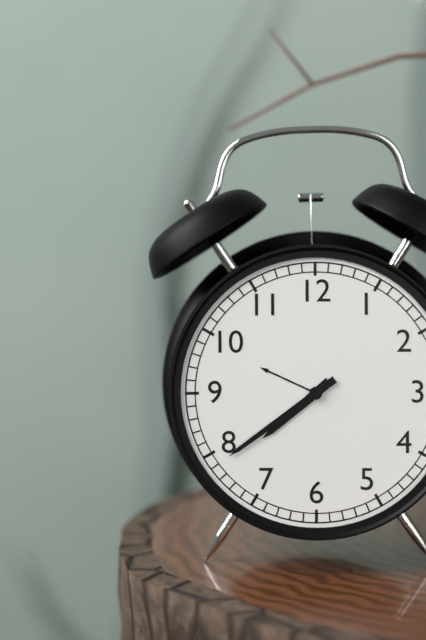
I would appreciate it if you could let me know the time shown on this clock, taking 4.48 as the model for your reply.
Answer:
7.39
